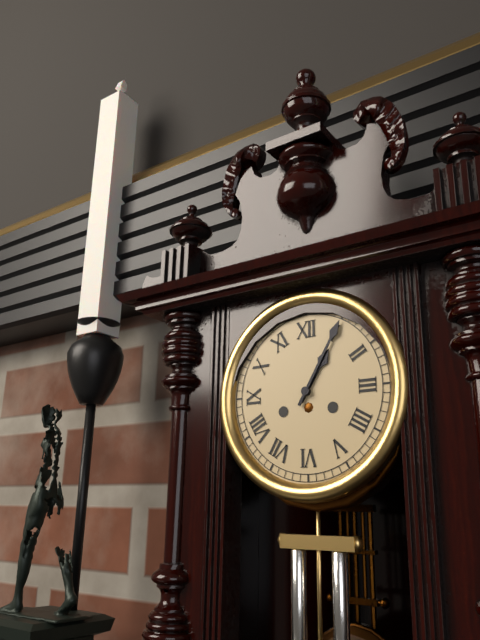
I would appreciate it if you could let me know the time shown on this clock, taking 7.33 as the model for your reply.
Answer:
1.05
